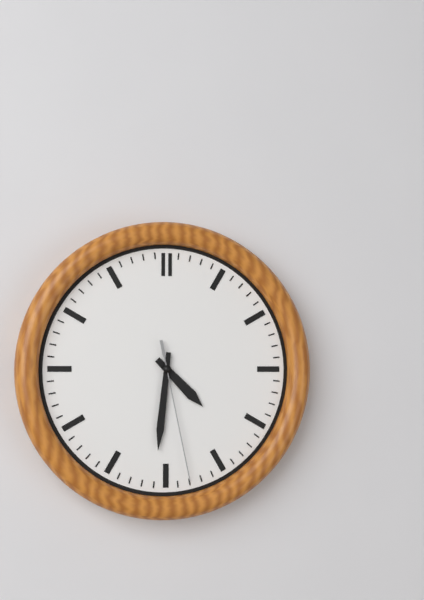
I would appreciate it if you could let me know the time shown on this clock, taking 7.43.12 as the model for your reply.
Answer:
4.31.28
